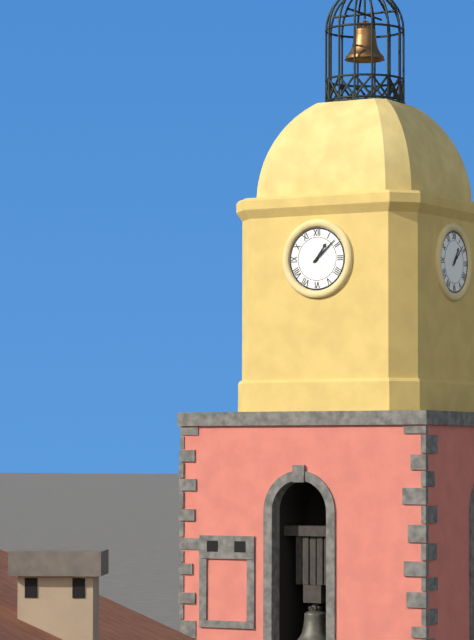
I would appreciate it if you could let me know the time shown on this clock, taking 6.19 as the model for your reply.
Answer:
1.08
